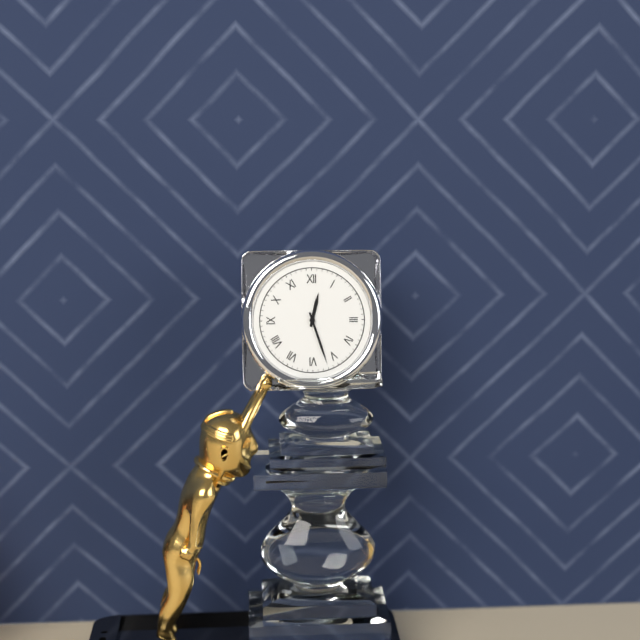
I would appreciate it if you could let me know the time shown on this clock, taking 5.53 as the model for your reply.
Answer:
12.27
